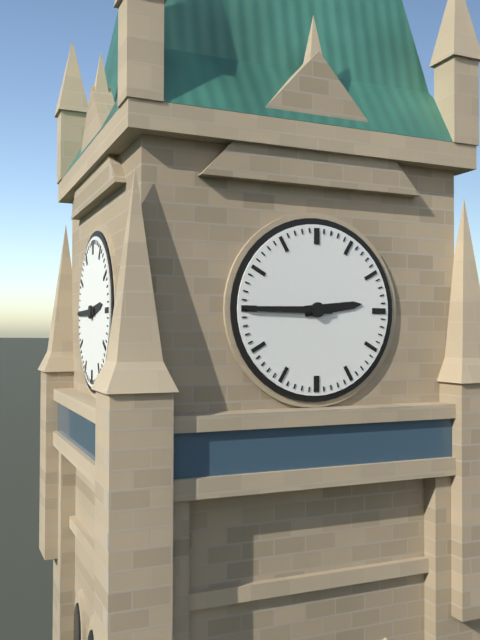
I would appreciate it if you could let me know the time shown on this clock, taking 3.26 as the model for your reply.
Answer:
2.45
